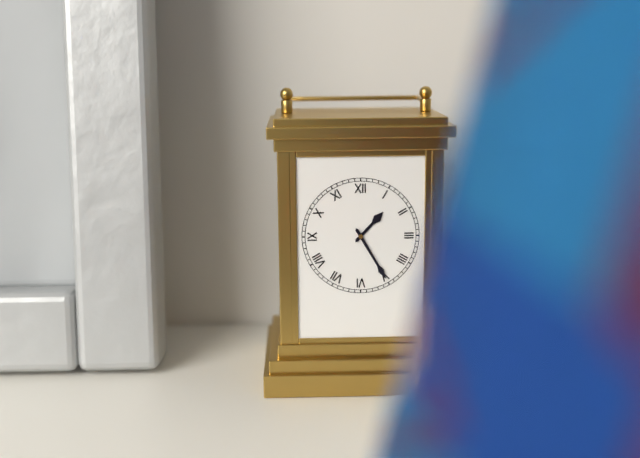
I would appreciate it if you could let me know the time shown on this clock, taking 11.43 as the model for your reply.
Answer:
1.25
